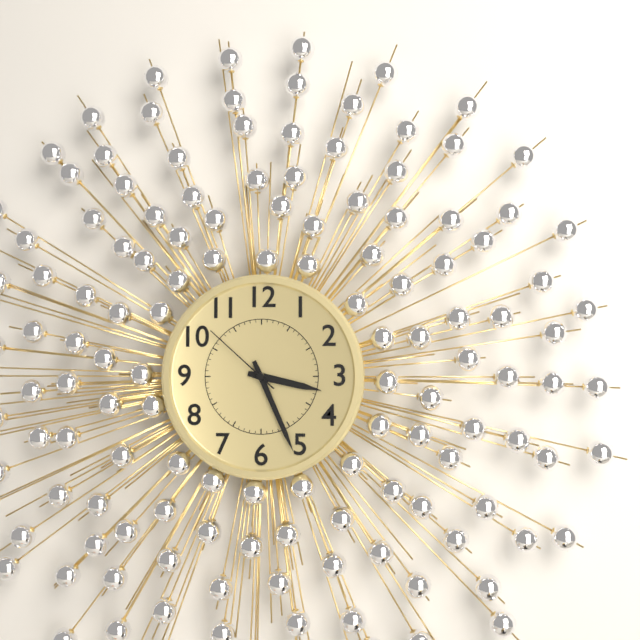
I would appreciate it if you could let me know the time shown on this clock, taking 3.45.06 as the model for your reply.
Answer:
3.26.52
